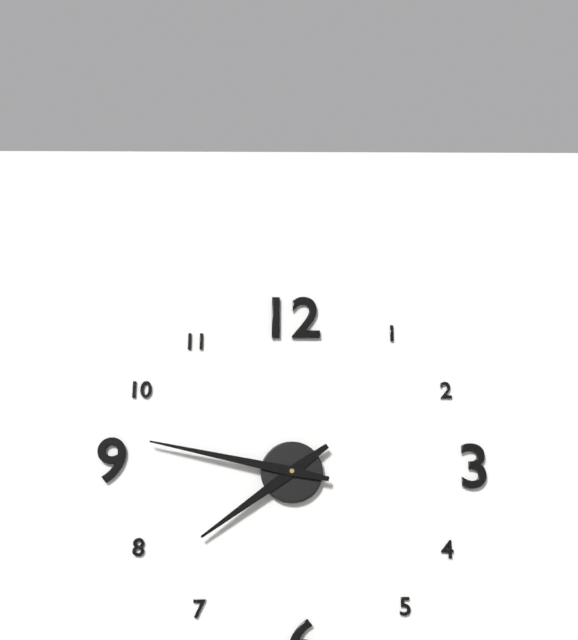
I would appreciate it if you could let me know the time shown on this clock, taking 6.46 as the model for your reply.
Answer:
7.47
